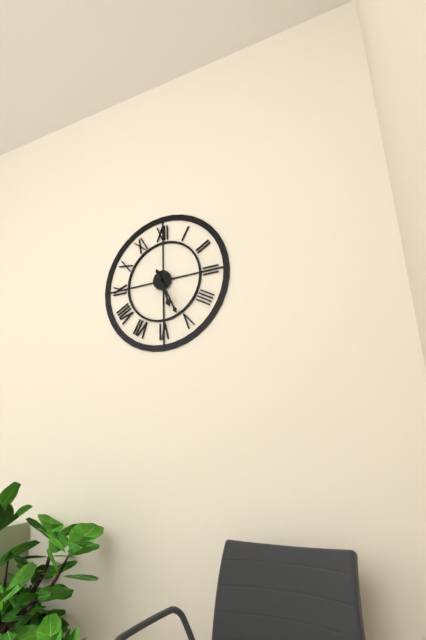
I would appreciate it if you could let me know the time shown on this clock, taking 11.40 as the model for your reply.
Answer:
5.26
